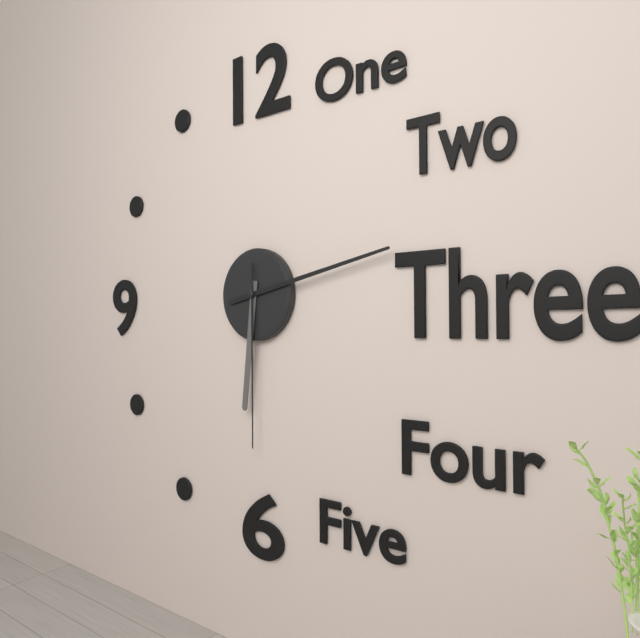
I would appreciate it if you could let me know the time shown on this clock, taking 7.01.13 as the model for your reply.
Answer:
6.13.30
